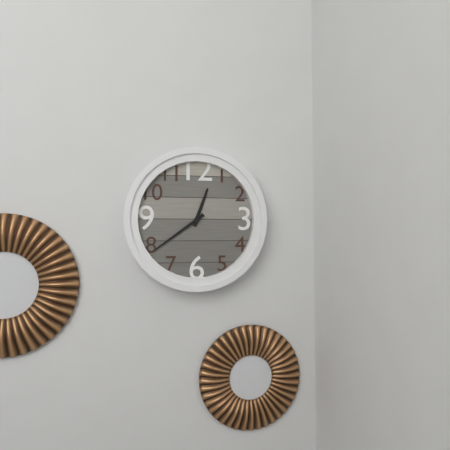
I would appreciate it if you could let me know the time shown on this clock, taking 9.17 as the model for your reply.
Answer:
12.39
